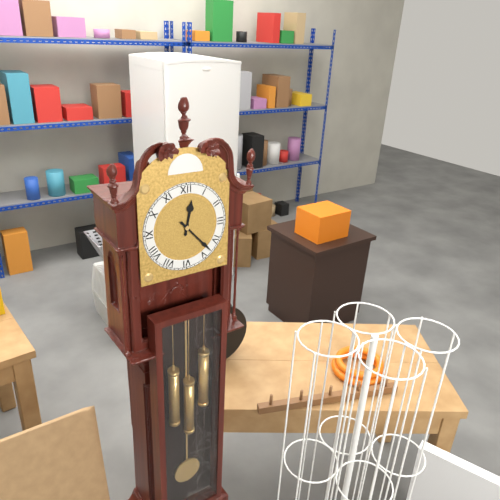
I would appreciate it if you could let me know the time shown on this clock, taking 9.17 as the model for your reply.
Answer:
12.23
